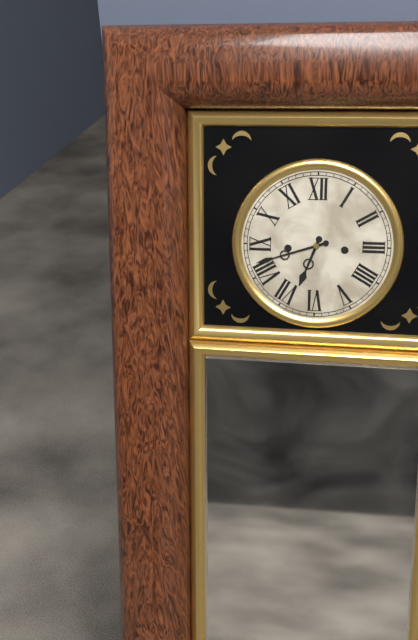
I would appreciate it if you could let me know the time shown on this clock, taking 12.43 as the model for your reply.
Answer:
6.42
